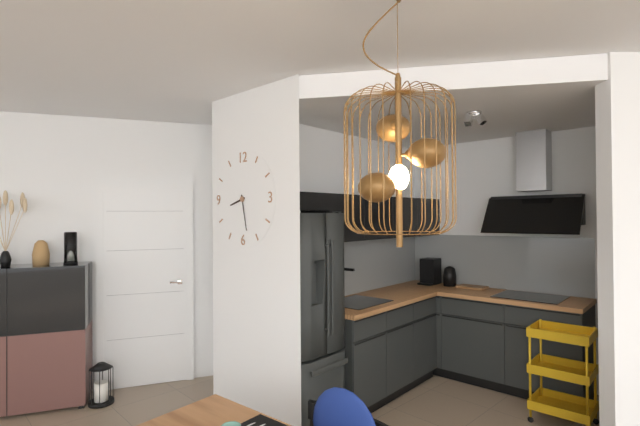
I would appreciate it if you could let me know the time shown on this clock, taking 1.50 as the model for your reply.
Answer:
8.28
